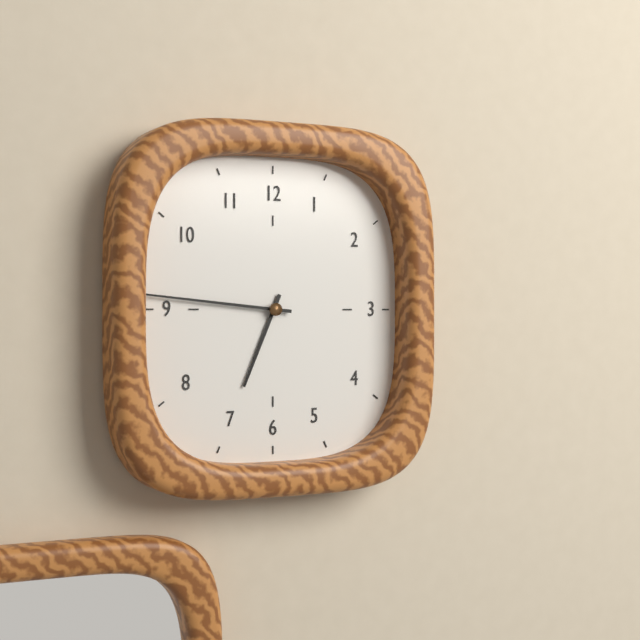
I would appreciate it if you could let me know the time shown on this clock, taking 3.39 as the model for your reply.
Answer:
6.46
